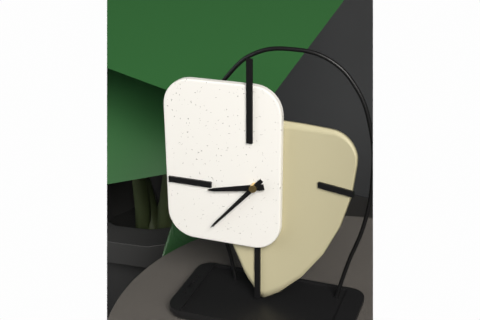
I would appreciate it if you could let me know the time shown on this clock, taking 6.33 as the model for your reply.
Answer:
8.37
